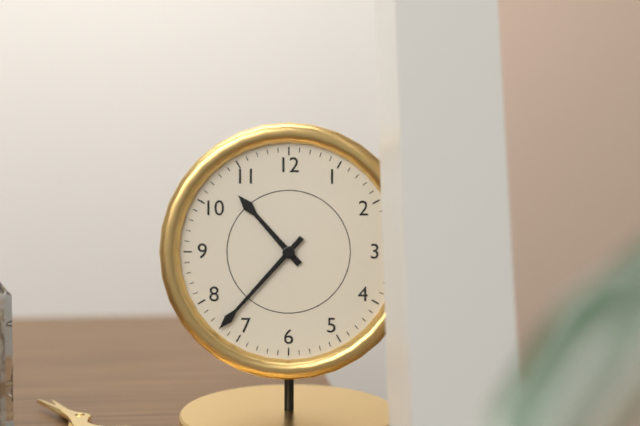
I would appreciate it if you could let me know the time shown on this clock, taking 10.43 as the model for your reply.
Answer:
10.37
